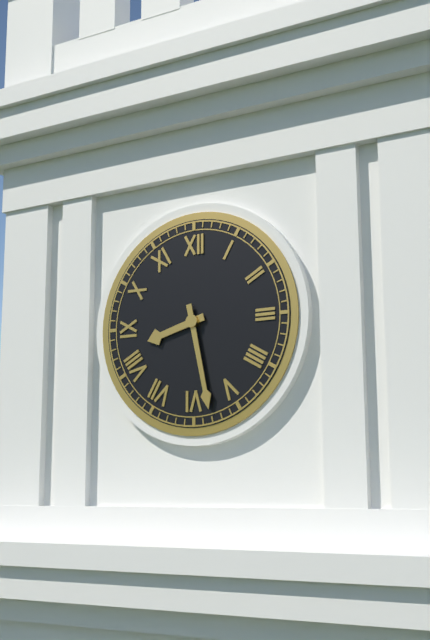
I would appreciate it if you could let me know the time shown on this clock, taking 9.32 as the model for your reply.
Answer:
8.28
